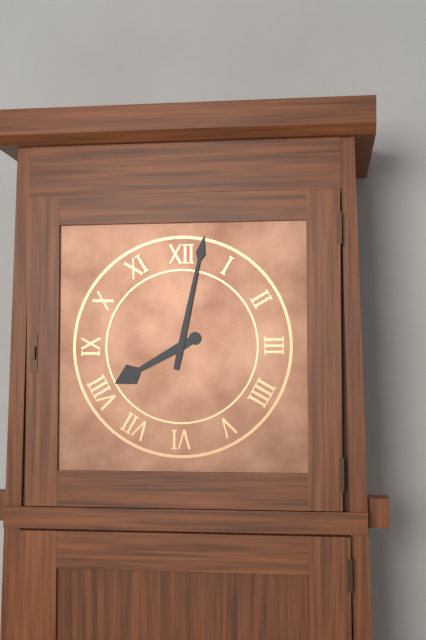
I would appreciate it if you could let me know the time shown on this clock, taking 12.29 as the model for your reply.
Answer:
8.02
